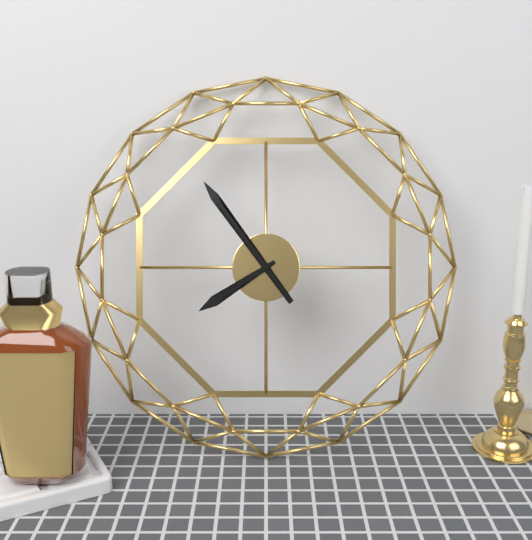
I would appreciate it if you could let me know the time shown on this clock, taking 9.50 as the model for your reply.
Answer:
7.54
